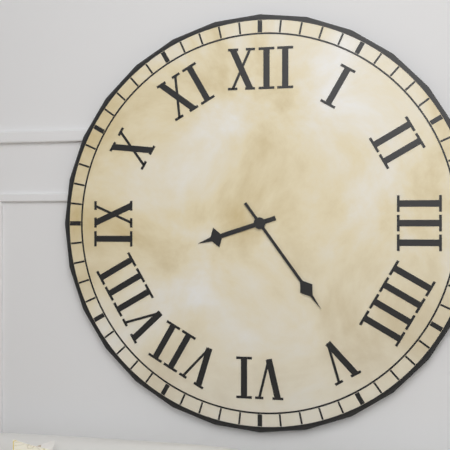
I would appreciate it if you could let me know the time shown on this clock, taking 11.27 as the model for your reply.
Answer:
8.24
